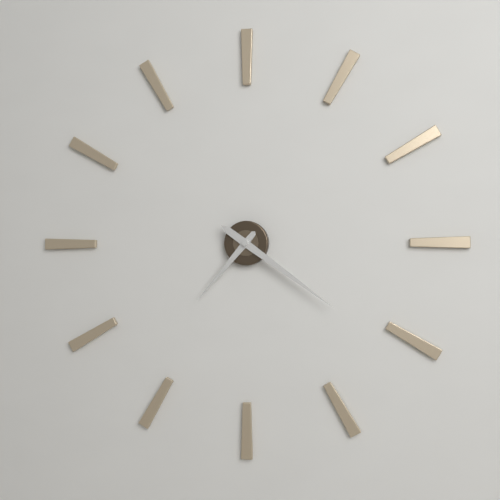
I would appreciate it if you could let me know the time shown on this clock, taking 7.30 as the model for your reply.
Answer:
7.21
